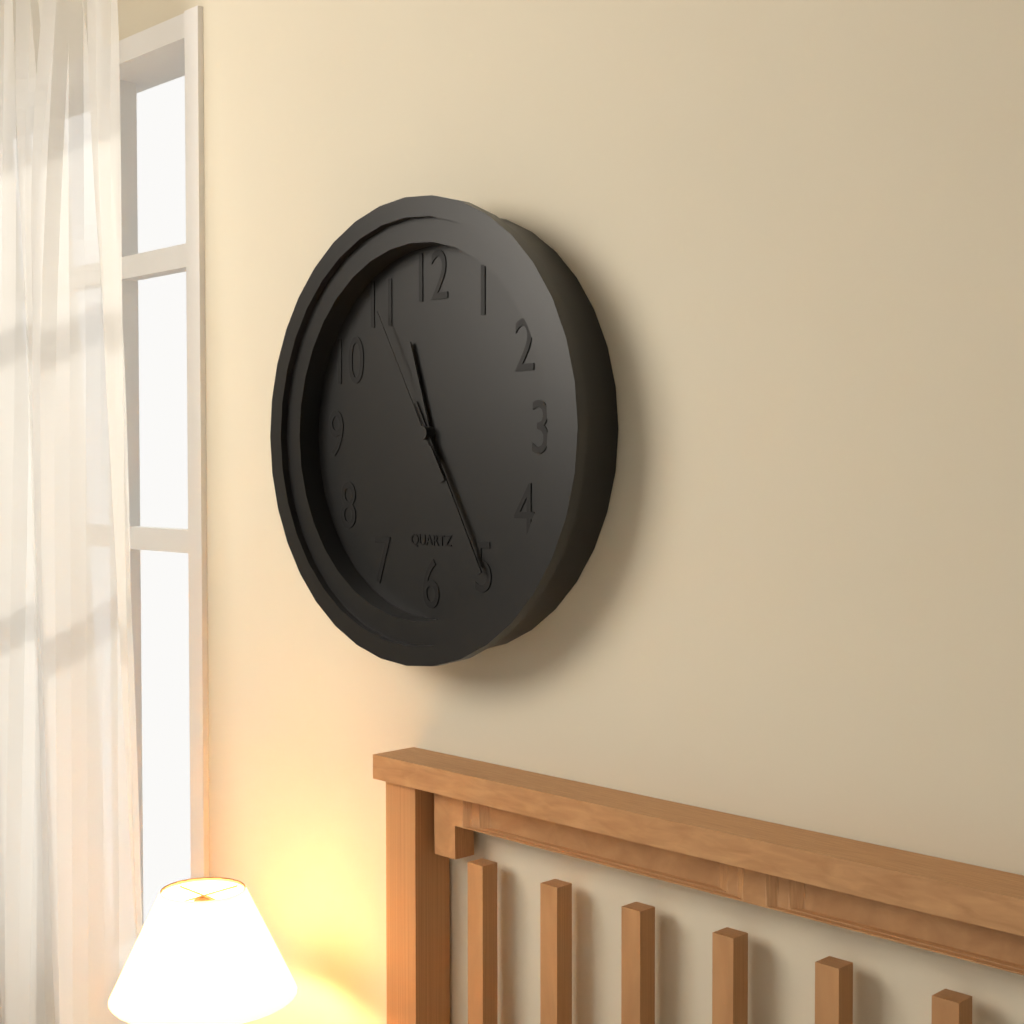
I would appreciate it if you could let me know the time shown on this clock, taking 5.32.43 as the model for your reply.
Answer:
11.25.55
